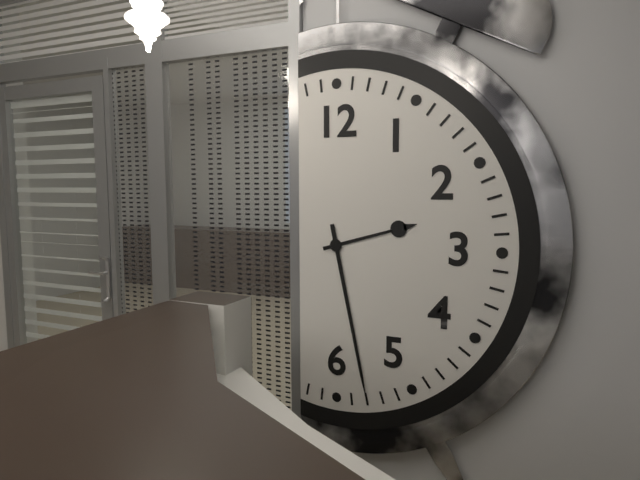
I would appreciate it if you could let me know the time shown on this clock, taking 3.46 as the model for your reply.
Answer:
2.28
